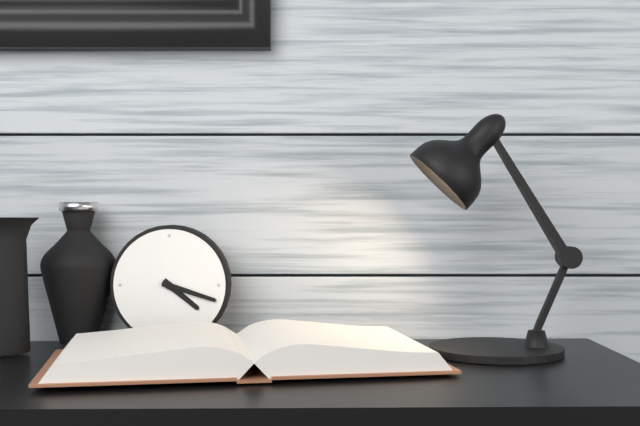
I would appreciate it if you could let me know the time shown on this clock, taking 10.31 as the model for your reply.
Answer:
4.18
